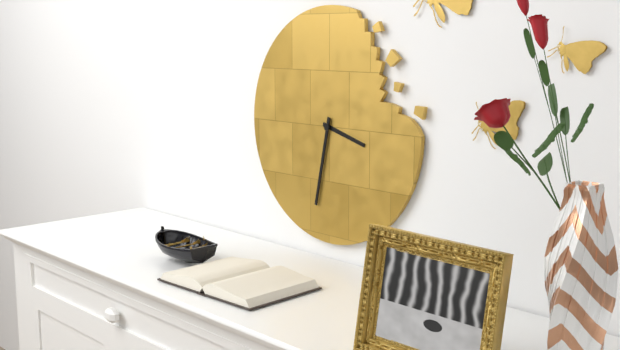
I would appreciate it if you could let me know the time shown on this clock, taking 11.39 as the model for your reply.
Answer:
3.32
